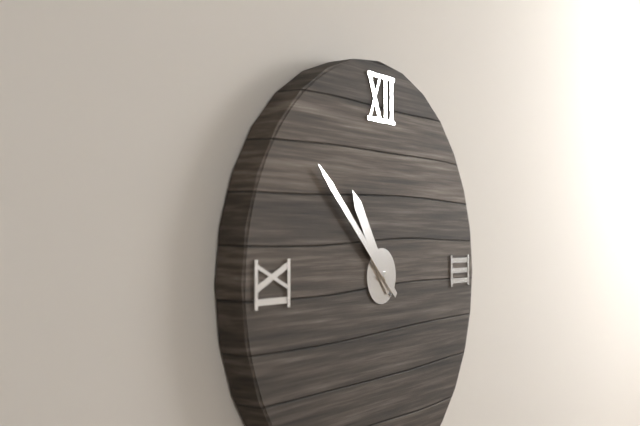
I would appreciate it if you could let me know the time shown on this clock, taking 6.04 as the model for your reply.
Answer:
10.52
